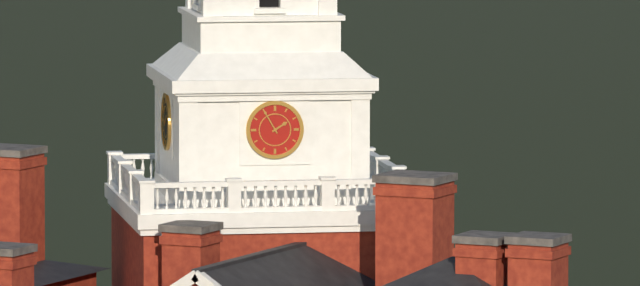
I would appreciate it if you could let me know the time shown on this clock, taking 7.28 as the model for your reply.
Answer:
1.55
